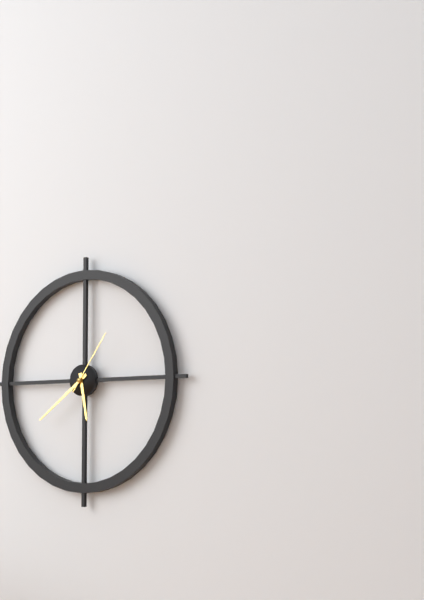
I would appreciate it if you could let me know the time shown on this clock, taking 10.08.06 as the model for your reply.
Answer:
5.39.06
